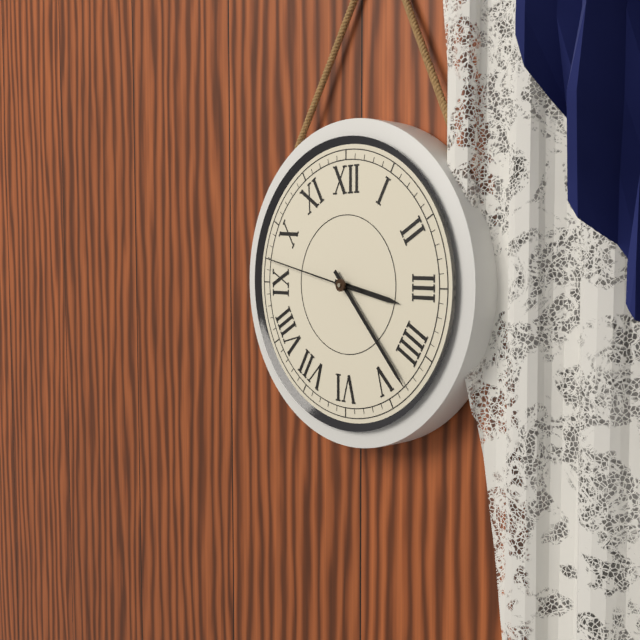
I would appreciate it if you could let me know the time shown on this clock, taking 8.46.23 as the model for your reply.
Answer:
3.23.47
